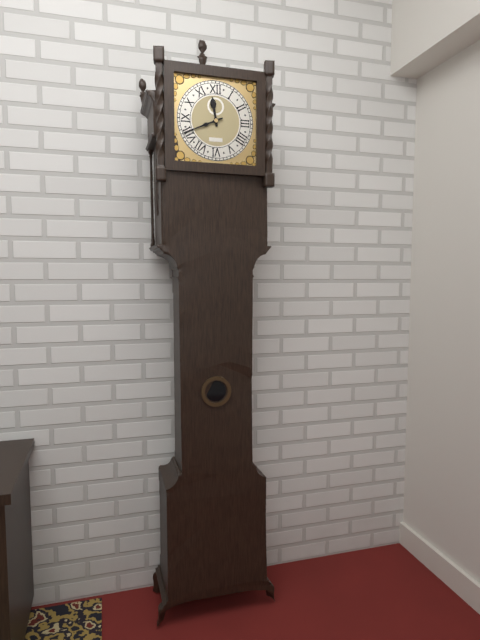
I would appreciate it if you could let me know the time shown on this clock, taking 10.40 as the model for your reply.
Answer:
11.41
